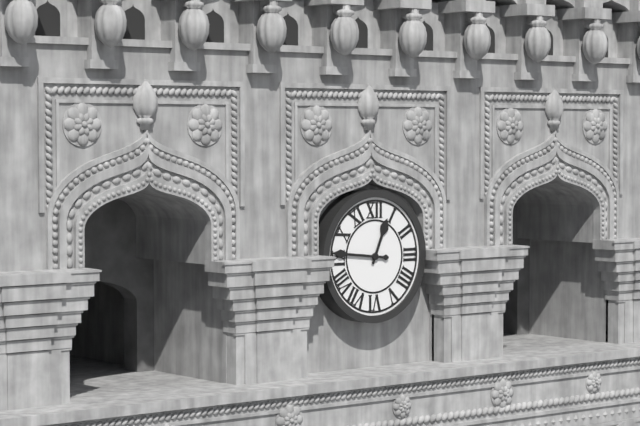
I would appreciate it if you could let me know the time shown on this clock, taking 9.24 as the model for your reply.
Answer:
12.46
